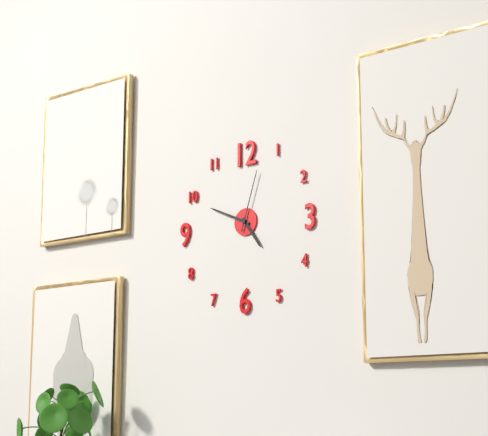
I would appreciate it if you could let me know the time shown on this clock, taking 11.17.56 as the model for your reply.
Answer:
4.49.03
